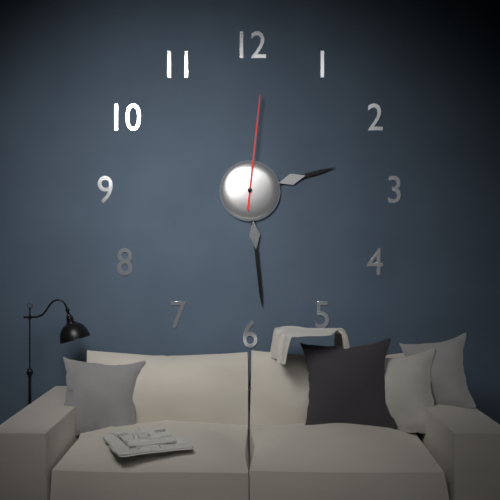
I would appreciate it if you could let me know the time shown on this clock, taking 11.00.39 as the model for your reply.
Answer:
2.29.01
